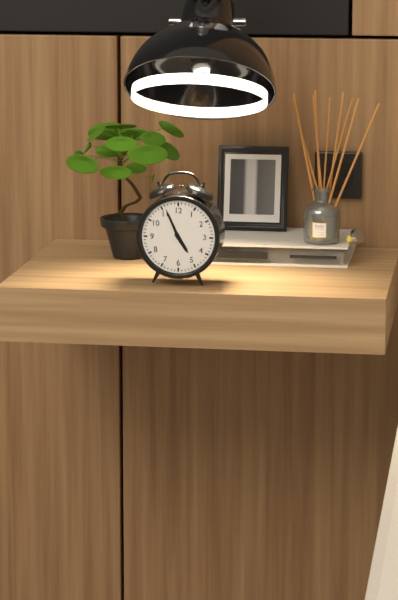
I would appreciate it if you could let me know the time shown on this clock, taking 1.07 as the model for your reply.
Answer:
4.56
